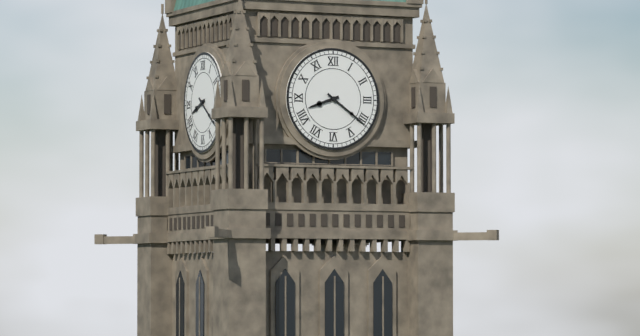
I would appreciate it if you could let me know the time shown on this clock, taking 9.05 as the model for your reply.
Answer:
8.21
